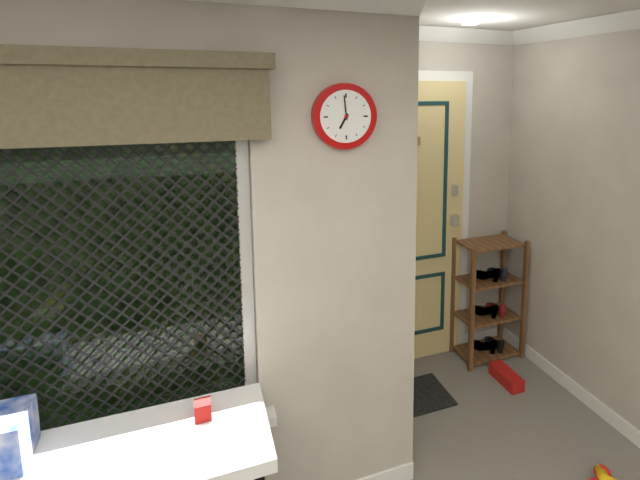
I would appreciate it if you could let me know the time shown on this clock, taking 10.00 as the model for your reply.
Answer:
6.59
